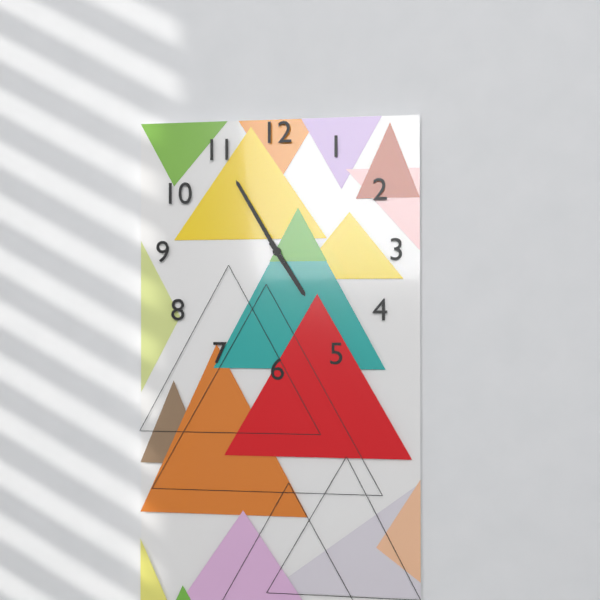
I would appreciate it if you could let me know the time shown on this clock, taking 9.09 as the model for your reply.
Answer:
4.55
